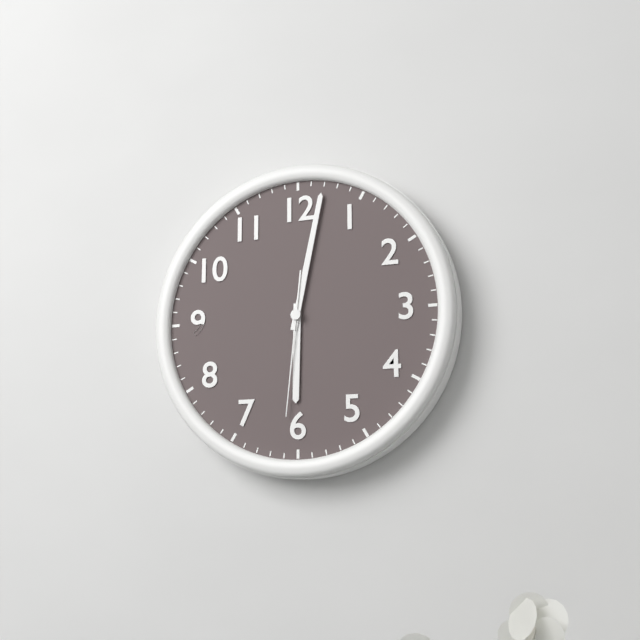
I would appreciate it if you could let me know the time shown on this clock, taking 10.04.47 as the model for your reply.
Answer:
6.02.31
